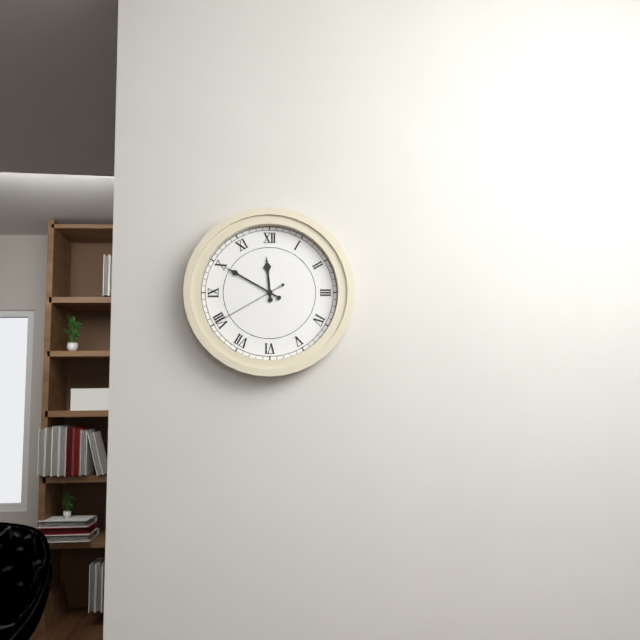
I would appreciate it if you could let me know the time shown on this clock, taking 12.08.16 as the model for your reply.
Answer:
11.50.40
